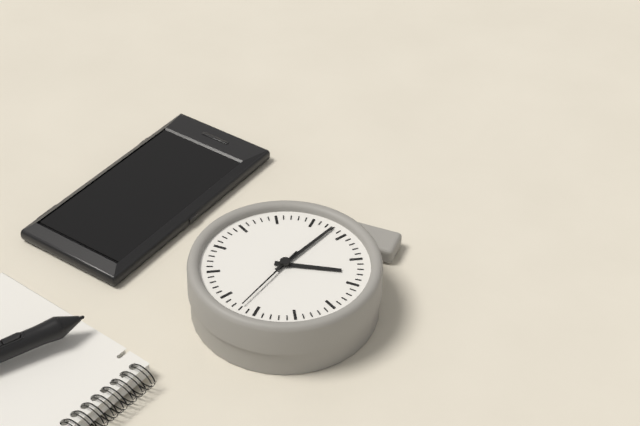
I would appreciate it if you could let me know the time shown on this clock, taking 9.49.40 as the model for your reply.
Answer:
8.33.02
